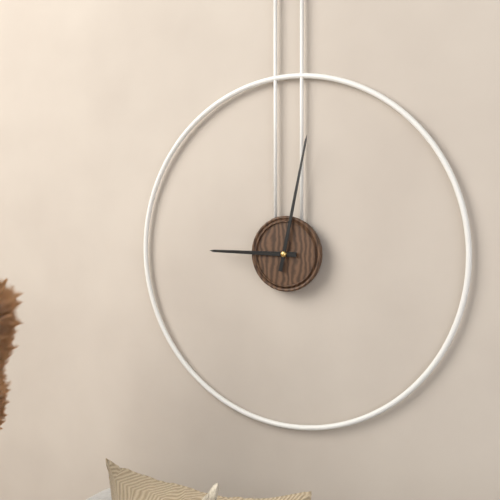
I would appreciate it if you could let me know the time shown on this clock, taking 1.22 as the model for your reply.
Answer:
9.02
